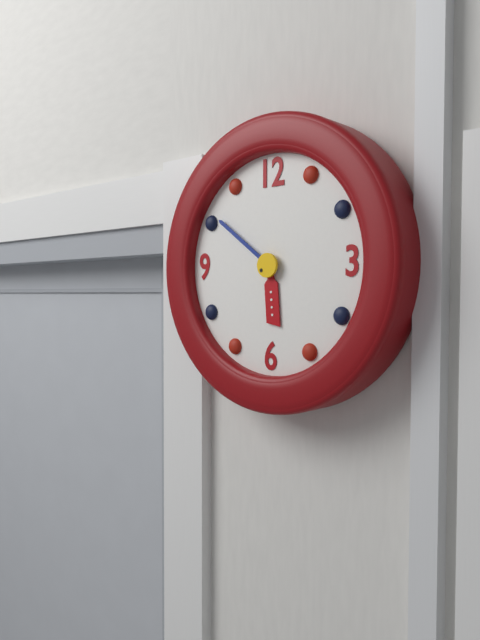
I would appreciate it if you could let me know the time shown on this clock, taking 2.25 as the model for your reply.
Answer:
5.51
